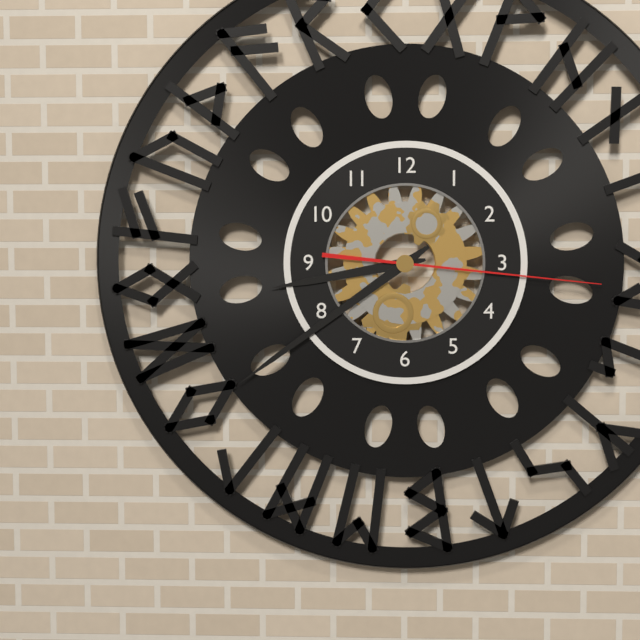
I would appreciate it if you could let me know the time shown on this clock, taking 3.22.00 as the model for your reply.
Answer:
8.39.16
